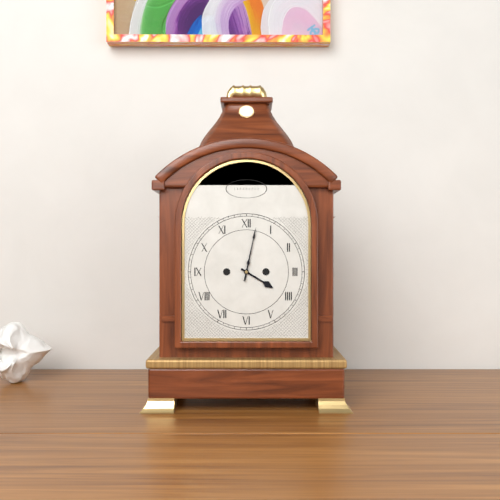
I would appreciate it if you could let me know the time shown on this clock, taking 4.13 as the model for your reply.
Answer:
4.02
